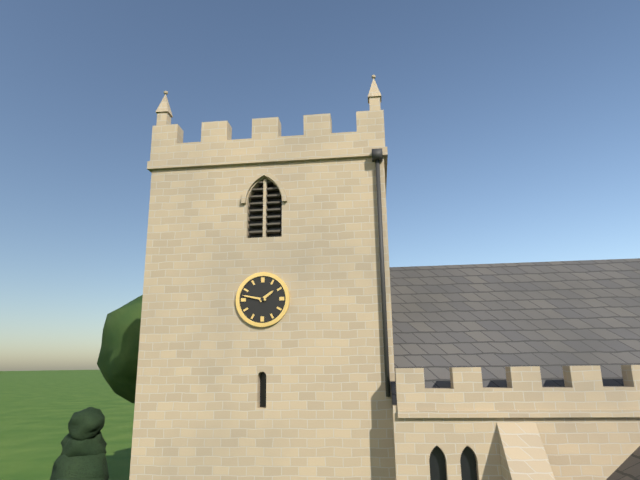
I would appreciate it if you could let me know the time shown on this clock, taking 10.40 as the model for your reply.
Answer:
1.47
